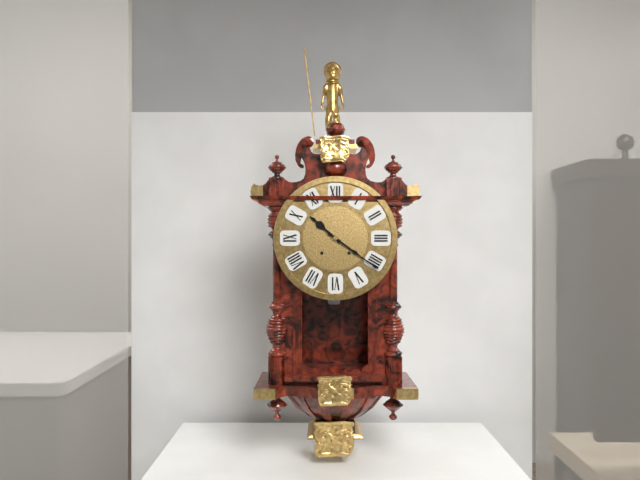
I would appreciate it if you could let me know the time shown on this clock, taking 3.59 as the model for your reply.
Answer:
10.21
